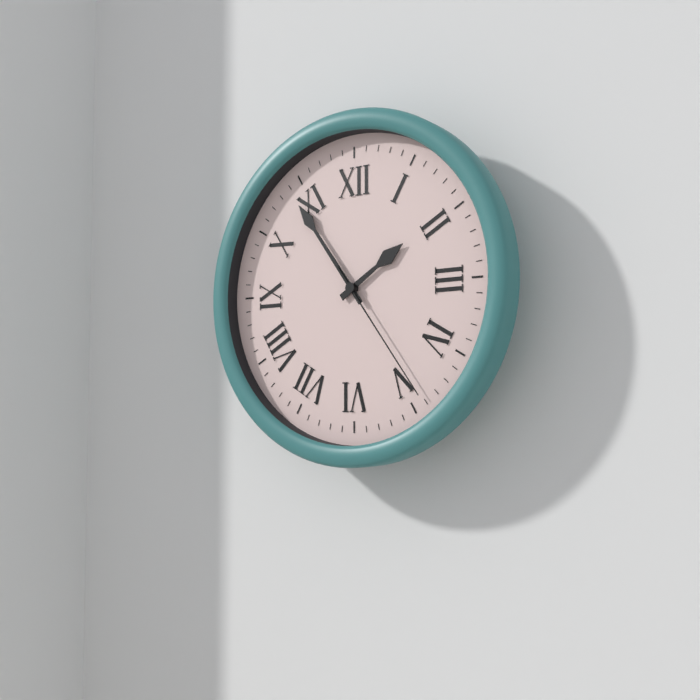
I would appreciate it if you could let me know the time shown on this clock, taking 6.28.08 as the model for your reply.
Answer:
1.54.24
